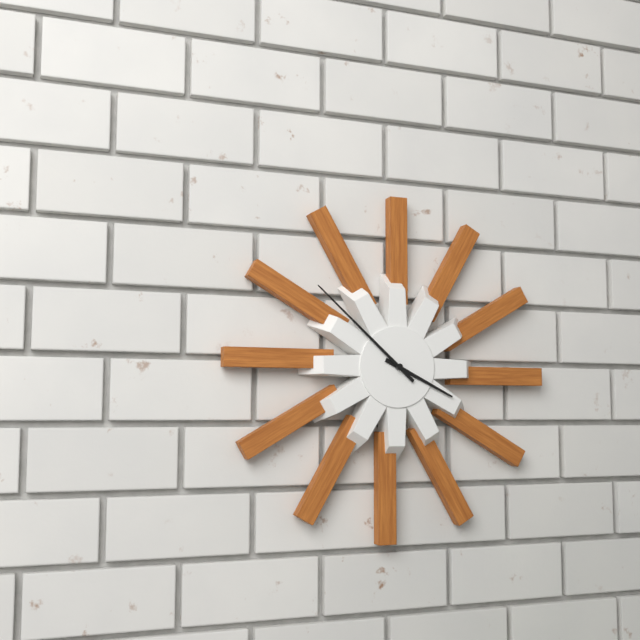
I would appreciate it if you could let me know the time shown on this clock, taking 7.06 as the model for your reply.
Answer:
3.52
